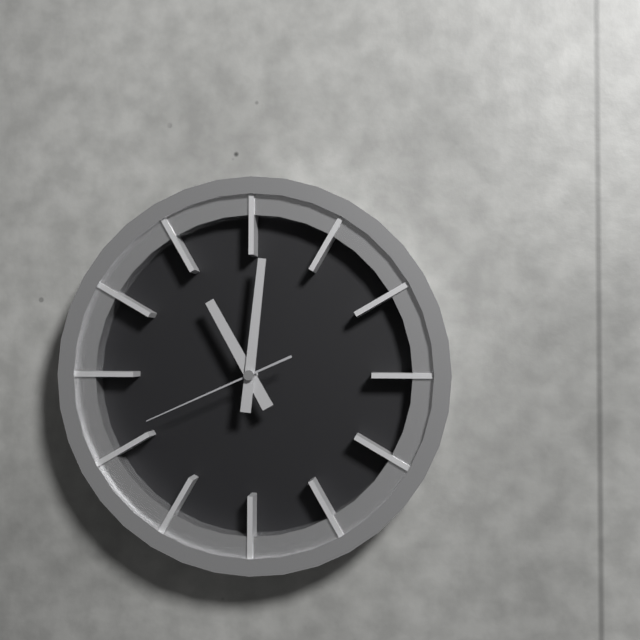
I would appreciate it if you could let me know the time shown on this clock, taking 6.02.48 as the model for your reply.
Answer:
11.01.41
